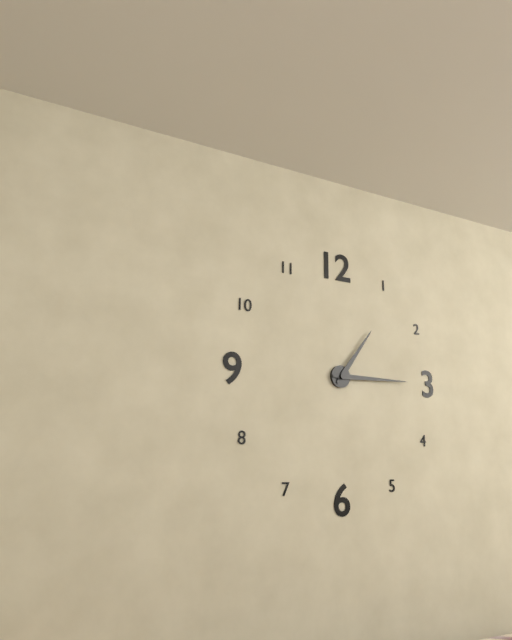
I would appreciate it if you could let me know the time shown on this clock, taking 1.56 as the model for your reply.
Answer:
1.15
